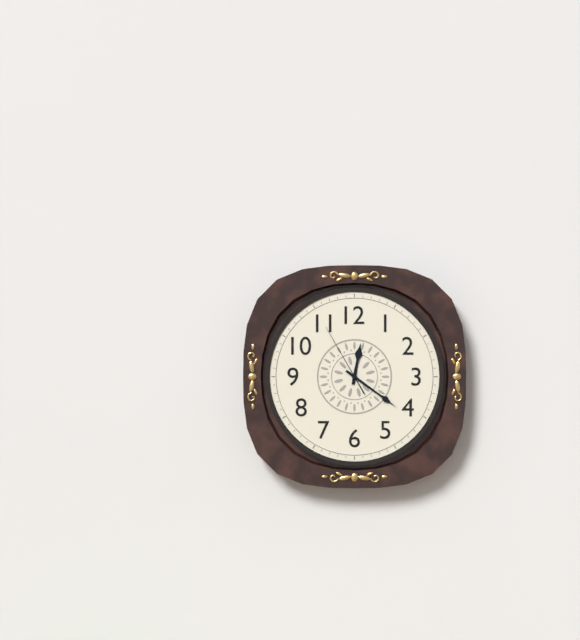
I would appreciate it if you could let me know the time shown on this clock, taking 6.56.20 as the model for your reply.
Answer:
12.21.55
